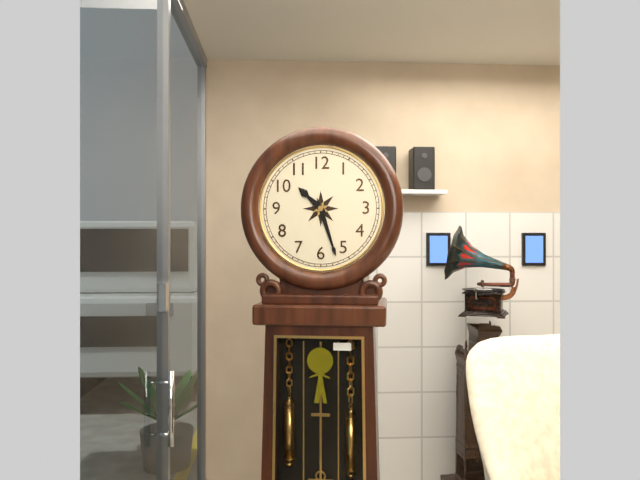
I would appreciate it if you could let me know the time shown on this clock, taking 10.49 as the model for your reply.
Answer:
10.27
